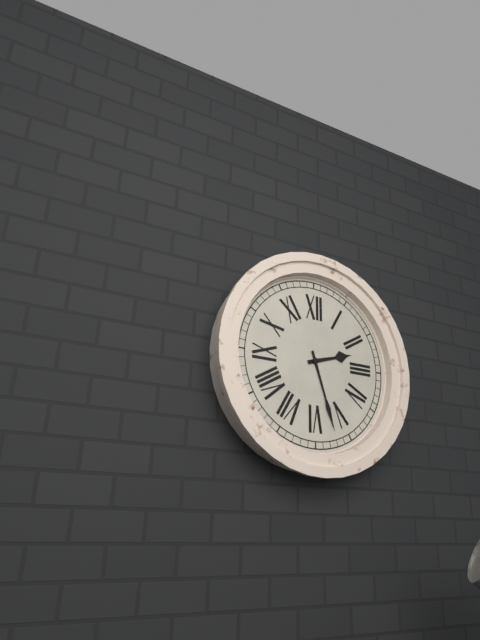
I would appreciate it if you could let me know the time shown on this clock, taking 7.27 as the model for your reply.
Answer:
2.27
